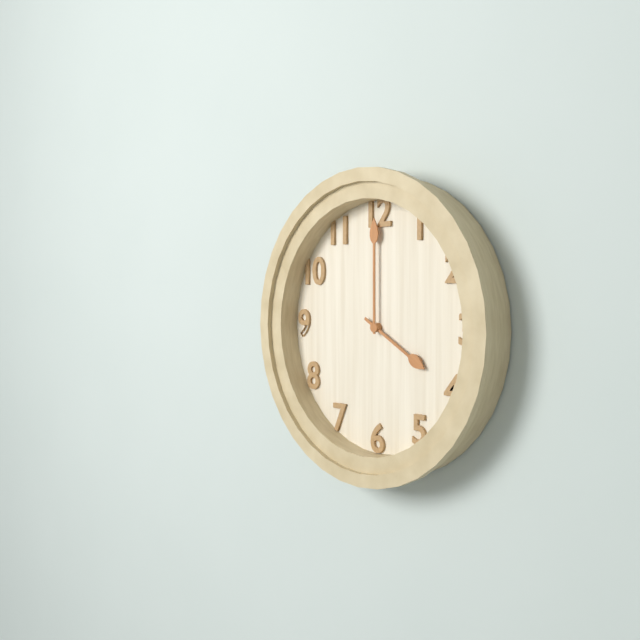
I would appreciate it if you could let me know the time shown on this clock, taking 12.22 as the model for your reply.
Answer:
4.00
